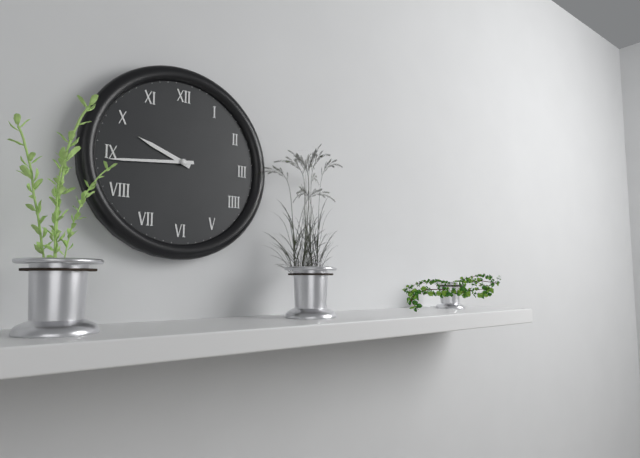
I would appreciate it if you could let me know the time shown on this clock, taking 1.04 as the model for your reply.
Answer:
9.44
